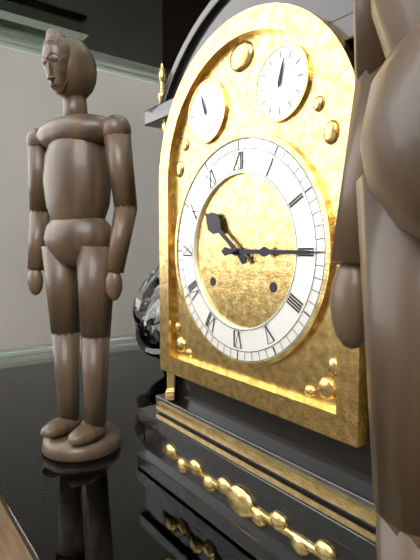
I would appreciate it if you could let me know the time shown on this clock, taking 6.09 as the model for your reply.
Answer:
10.15
